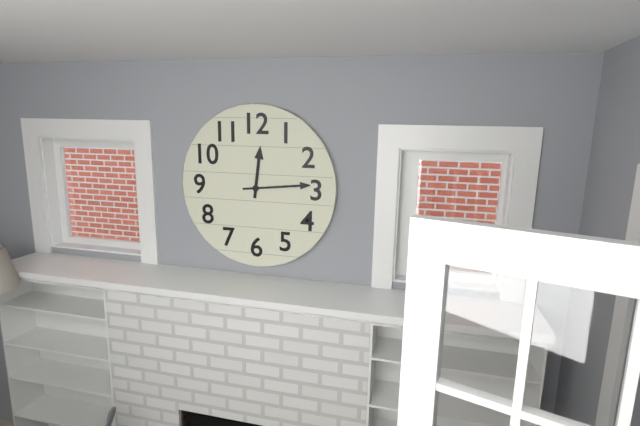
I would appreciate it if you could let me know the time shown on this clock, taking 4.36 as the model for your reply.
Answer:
12.14
